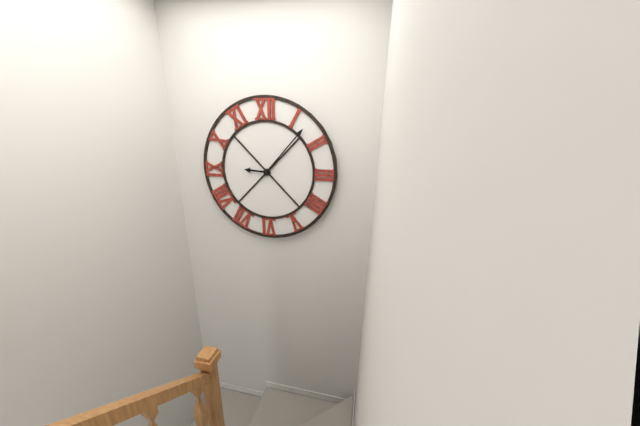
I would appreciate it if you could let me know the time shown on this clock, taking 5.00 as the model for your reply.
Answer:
9.07
